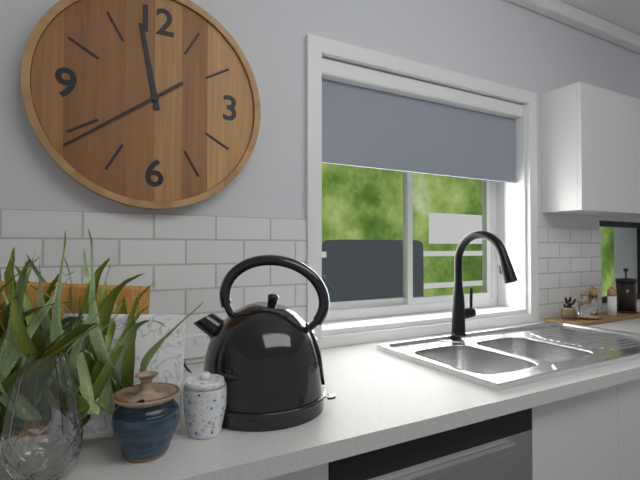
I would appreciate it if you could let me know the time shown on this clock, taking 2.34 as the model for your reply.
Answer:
11.39
